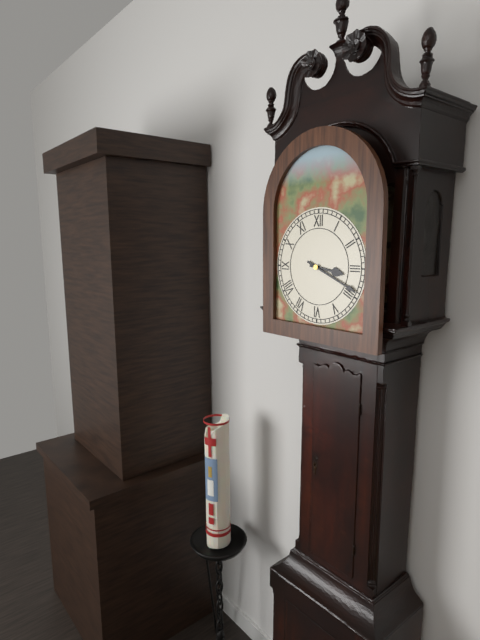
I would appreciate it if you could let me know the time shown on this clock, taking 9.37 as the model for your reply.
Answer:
3.19
